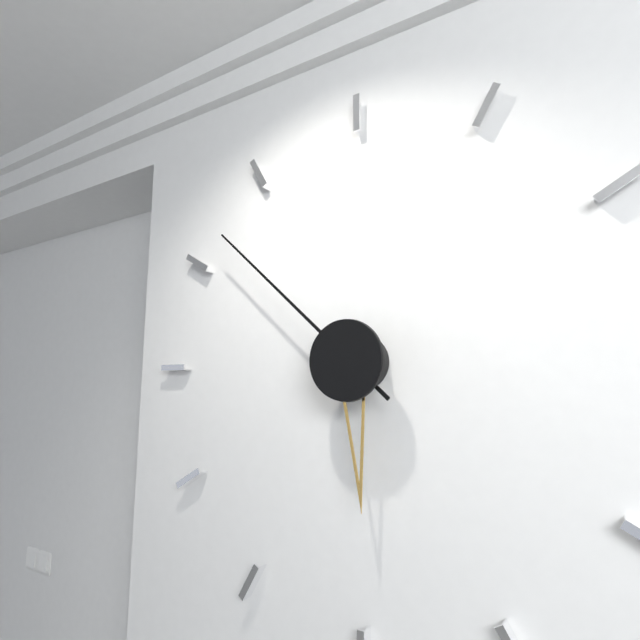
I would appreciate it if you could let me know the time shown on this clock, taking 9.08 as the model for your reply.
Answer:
5.52
